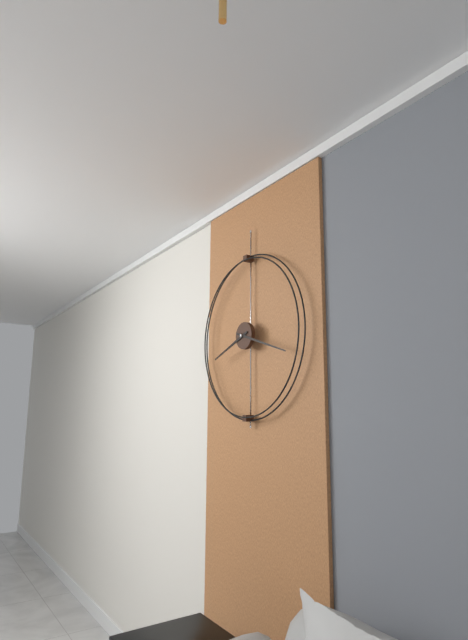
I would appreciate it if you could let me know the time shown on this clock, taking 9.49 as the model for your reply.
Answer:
8.18
